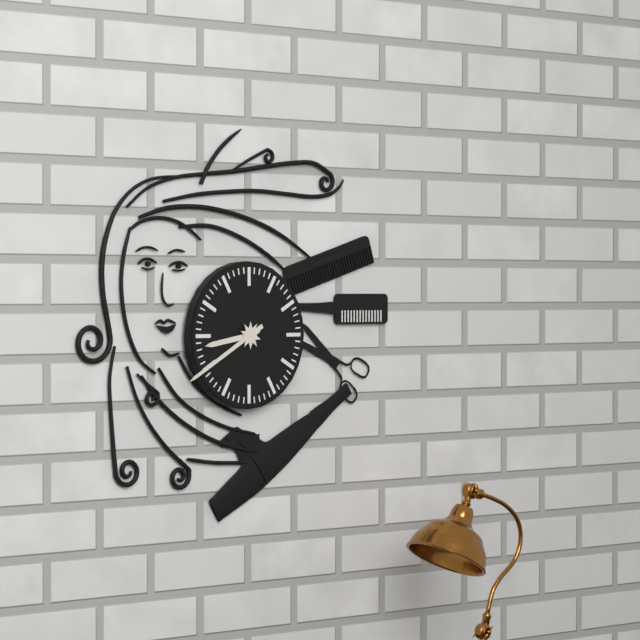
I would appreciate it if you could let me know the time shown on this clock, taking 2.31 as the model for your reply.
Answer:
8.40
